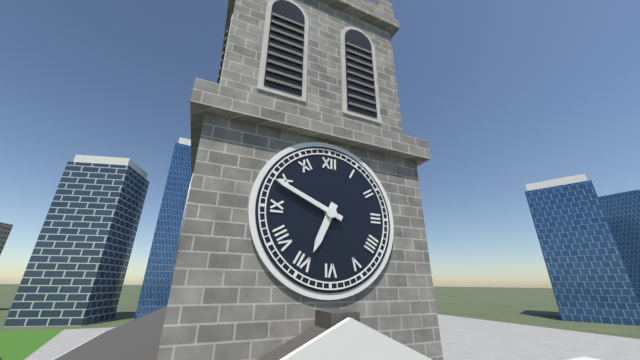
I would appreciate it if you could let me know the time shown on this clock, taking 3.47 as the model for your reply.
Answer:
6.49
